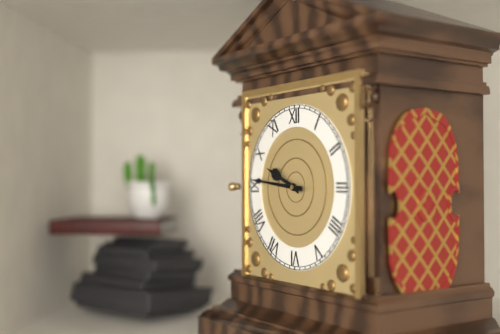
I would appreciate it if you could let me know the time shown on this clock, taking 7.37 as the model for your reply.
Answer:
9.46
